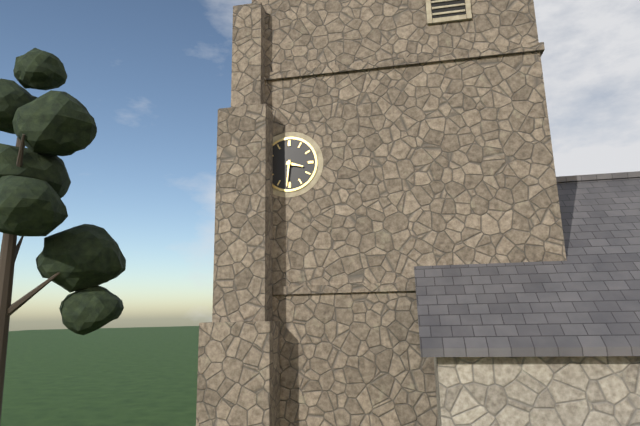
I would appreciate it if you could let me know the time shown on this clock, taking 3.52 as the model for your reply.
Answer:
3.31
